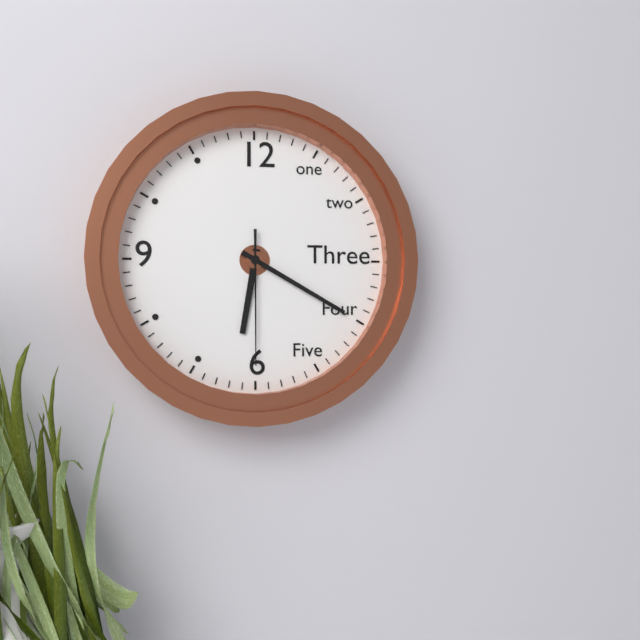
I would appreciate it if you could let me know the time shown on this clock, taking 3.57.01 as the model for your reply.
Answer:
6.20.30
